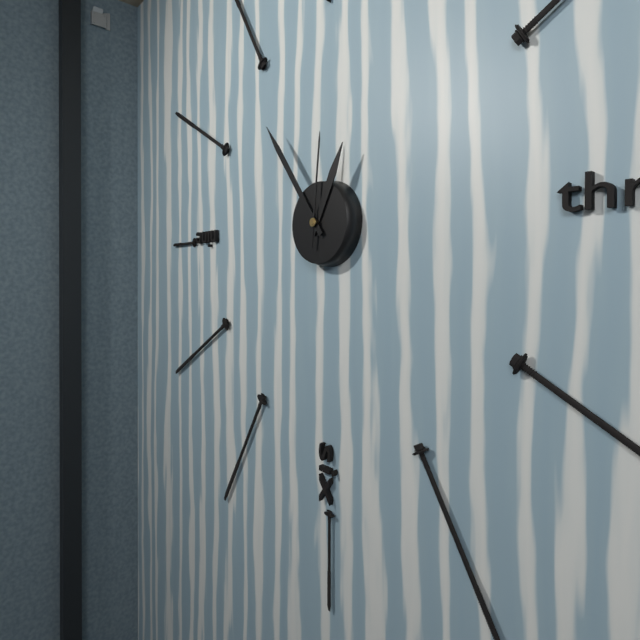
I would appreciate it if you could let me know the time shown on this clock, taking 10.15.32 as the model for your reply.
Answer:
12.54.01
